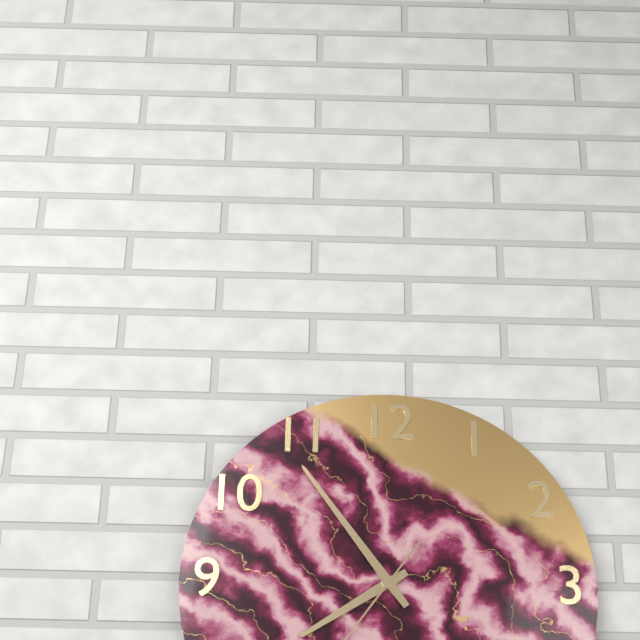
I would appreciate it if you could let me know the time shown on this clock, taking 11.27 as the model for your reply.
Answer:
7.54
